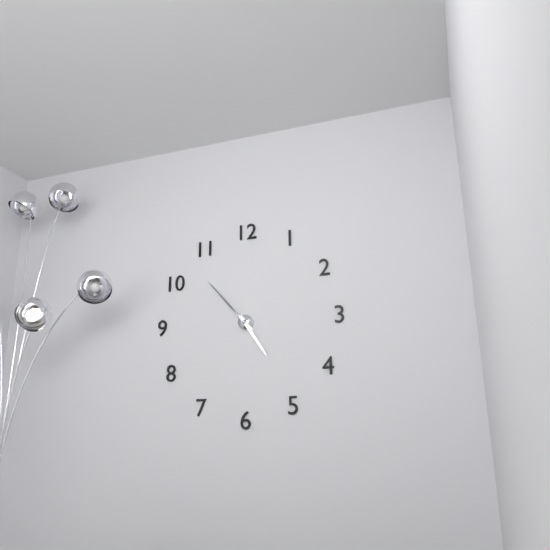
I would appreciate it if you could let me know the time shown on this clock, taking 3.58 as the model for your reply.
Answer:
4.53
